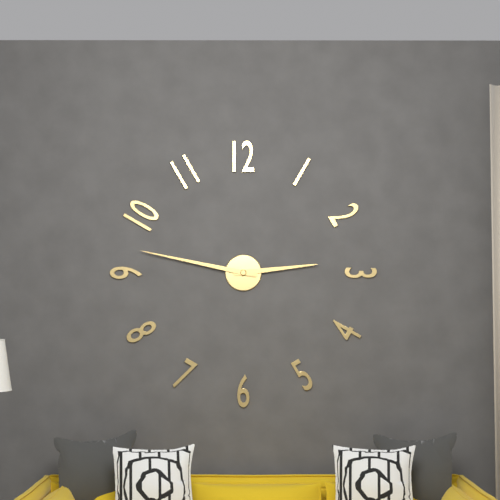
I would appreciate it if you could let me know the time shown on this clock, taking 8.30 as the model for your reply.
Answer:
2.47
